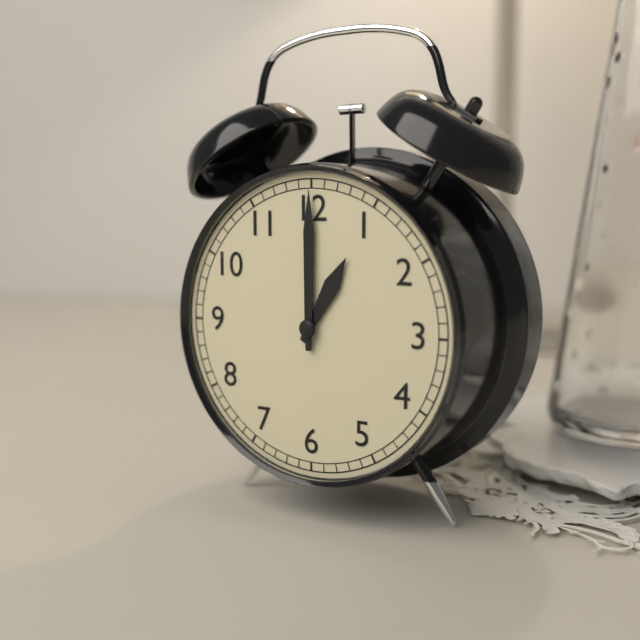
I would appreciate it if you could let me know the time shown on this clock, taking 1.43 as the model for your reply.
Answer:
1.00
